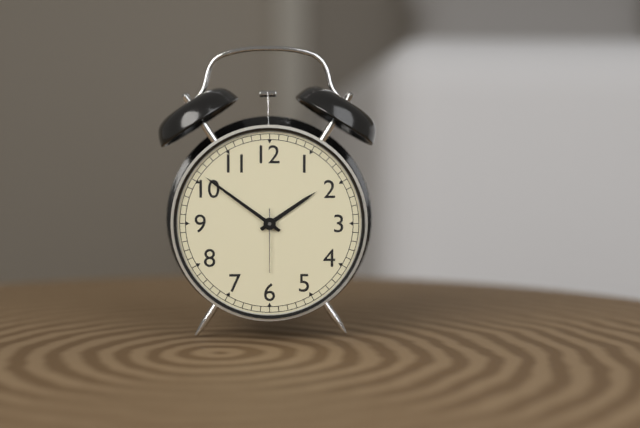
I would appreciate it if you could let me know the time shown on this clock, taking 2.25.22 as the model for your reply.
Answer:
1.51.30
